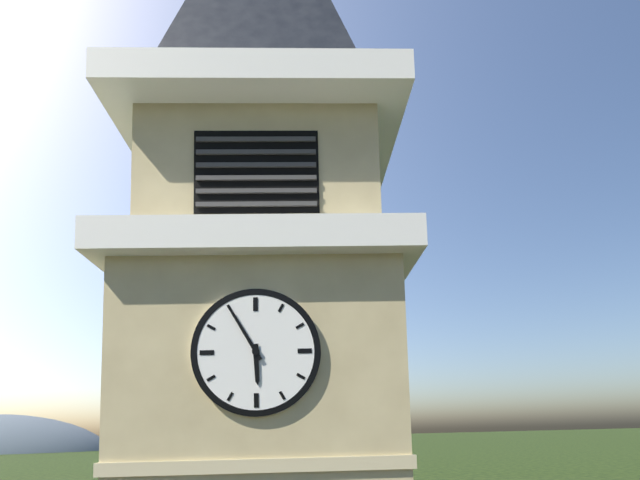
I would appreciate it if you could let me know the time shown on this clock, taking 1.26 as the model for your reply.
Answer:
5.55
